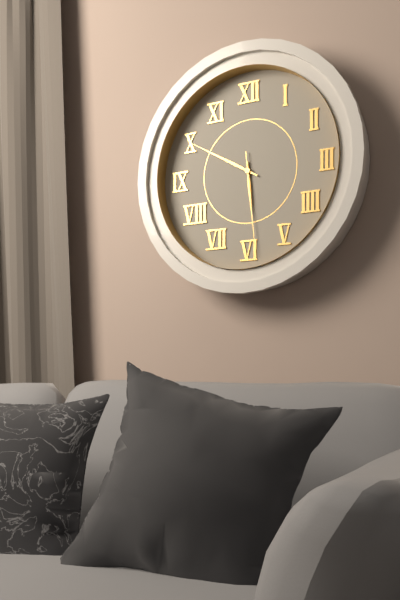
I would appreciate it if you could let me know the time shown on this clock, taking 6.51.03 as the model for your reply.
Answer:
5.50.29
